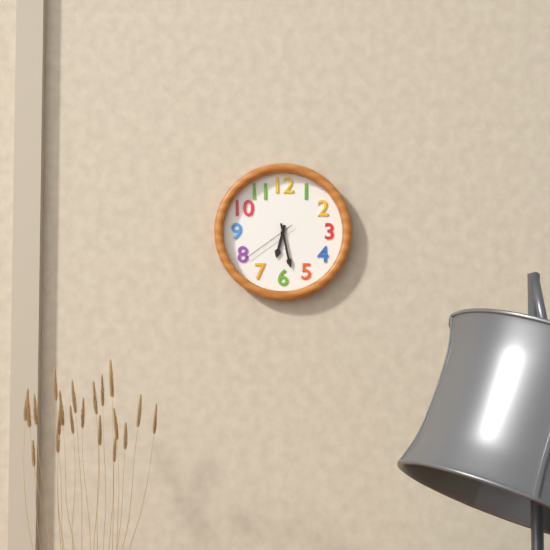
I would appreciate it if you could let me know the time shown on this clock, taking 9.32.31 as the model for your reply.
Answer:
6.28.39
